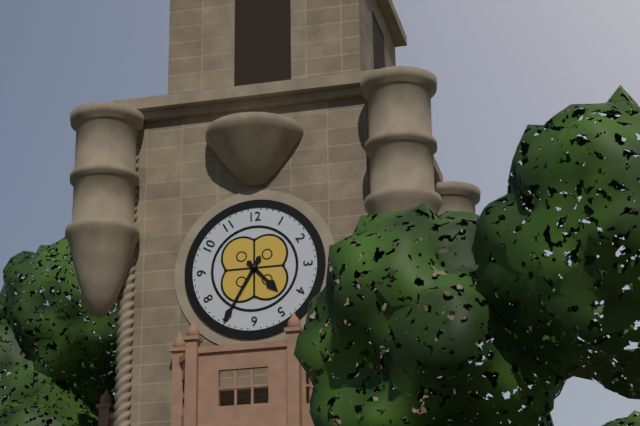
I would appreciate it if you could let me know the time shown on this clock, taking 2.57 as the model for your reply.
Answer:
4.35
